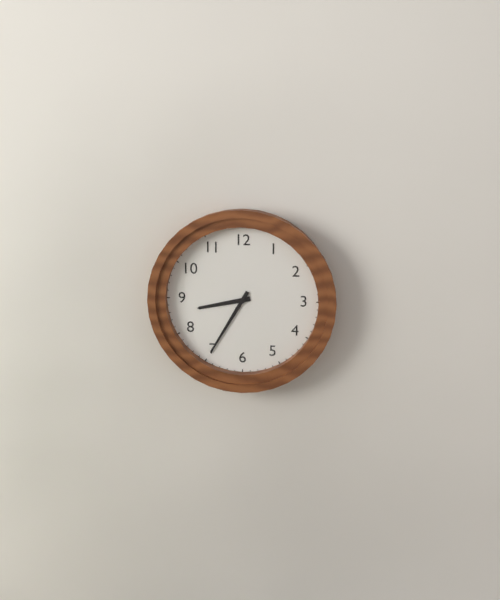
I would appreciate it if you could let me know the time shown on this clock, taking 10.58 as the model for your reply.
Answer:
8.35
